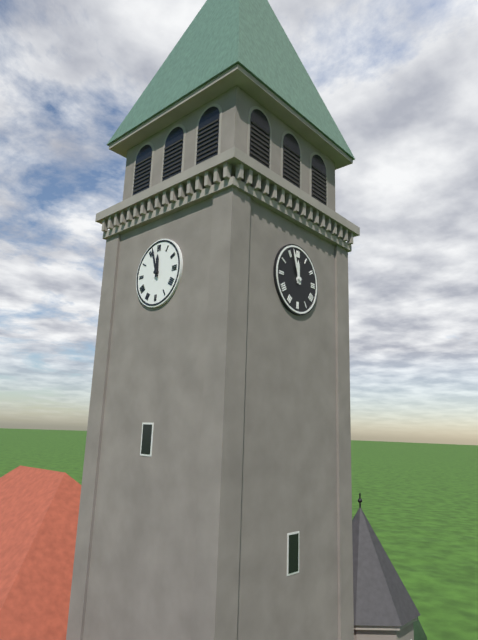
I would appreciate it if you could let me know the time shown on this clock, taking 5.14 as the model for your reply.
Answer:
11.57
